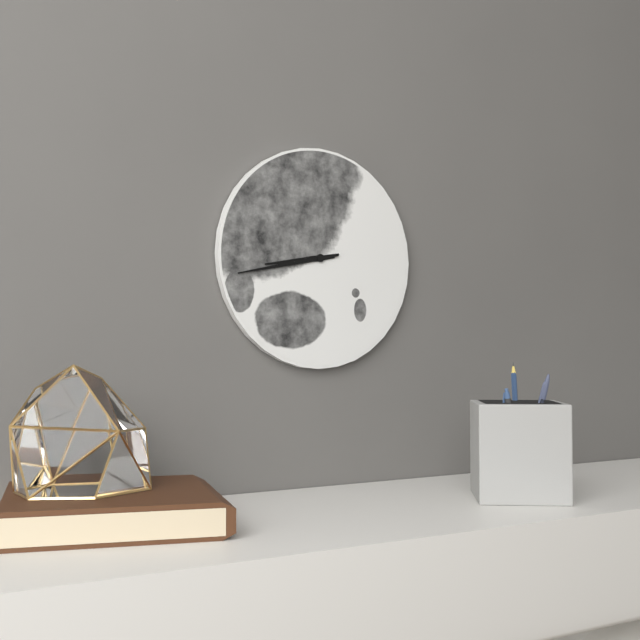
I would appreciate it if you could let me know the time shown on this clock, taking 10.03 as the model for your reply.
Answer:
8.43
